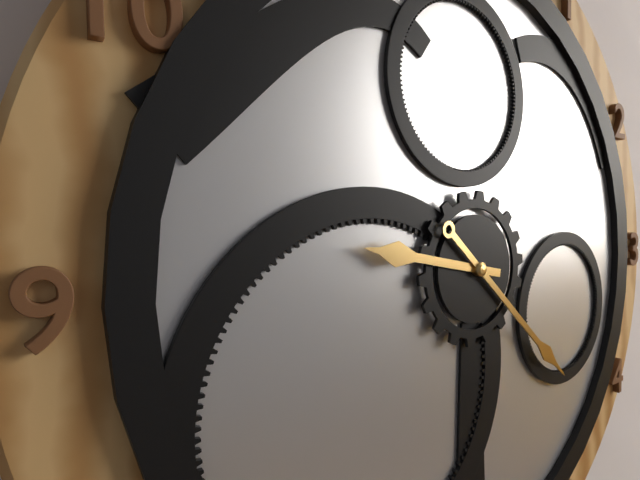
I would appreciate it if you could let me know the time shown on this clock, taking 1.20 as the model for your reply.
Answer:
9.22
